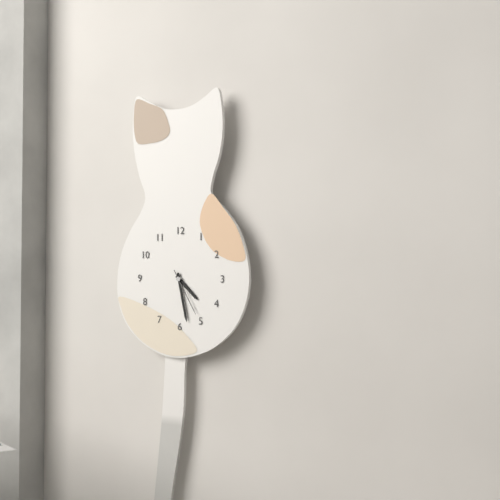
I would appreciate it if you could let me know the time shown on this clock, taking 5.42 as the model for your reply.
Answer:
4.28
